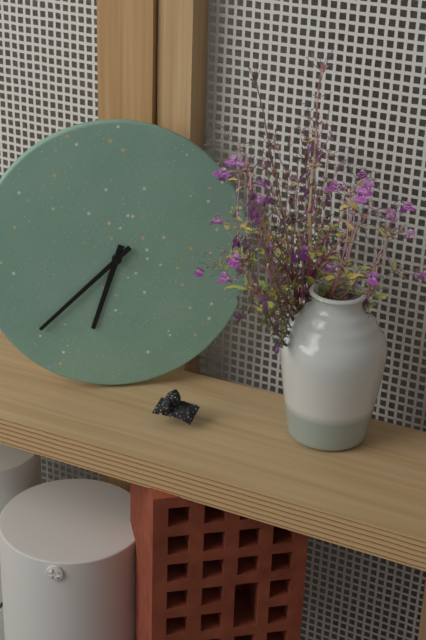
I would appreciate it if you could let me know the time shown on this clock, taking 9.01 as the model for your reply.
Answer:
6.38
